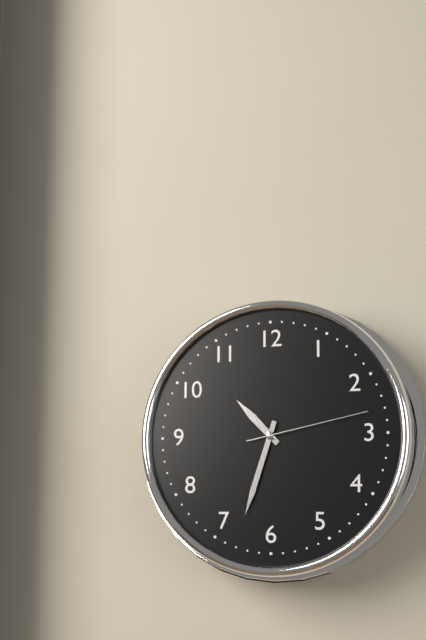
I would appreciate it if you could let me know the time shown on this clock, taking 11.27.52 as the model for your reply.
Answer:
10.33.13
